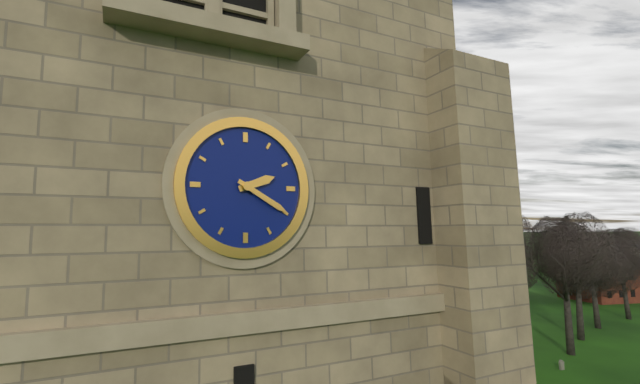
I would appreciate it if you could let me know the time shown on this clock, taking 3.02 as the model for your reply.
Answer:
2.20
